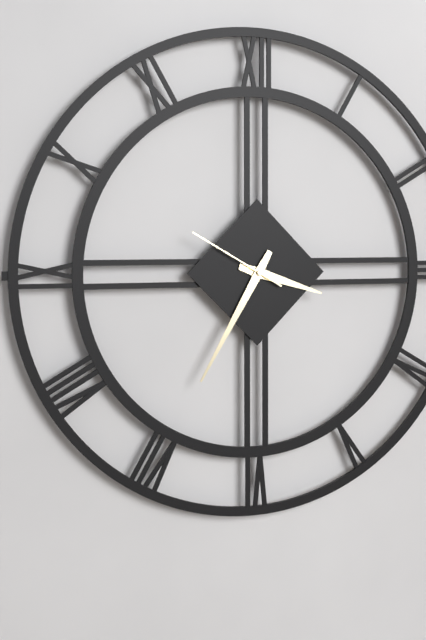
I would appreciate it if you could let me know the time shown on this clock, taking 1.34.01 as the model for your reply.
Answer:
3.35.50
